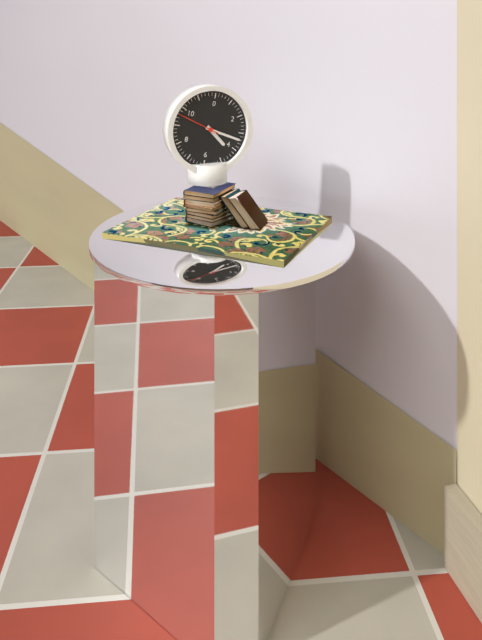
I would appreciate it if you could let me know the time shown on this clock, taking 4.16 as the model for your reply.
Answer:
4.17
